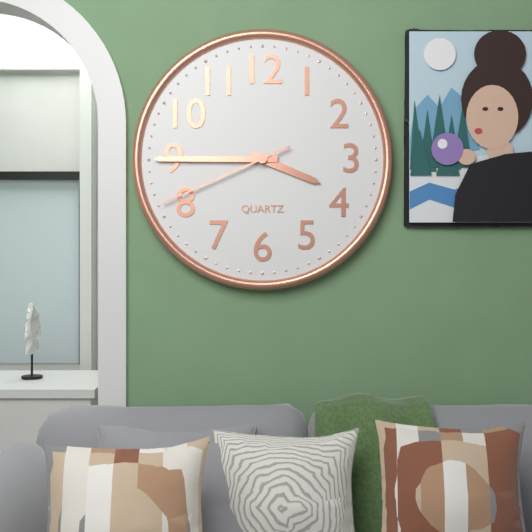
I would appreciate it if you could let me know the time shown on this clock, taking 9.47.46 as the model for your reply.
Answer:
3.45.41
